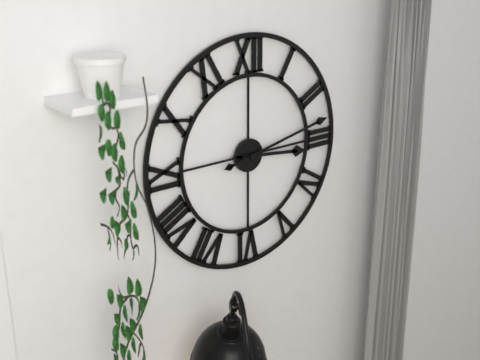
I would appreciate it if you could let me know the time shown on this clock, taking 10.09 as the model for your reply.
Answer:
3.13
